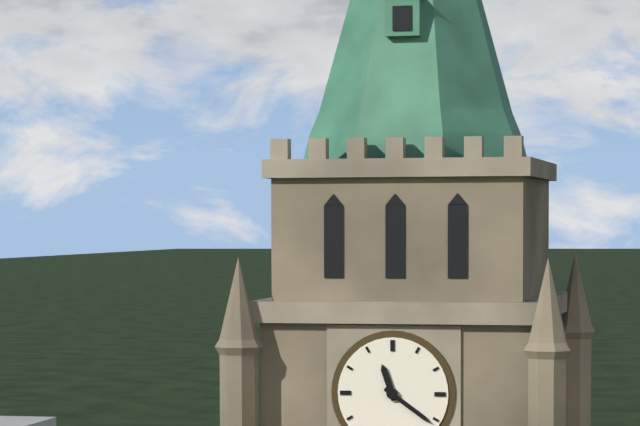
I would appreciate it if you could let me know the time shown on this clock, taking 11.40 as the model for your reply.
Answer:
11.21
